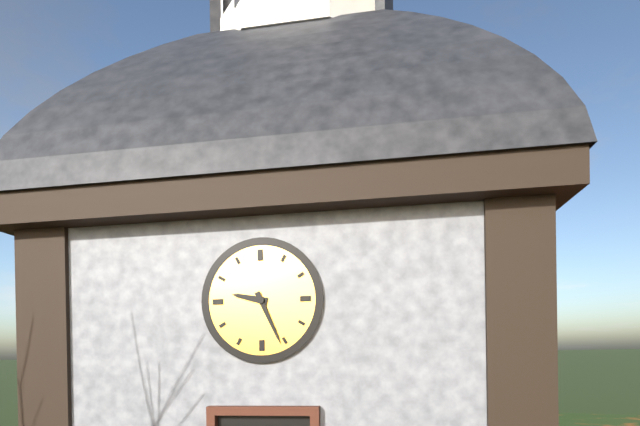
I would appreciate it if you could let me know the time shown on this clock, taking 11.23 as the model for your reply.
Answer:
9.26
